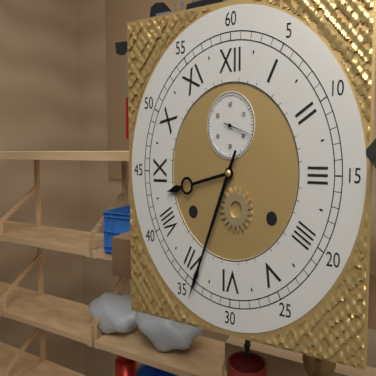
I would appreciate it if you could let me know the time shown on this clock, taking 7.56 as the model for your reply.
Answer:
8.34
